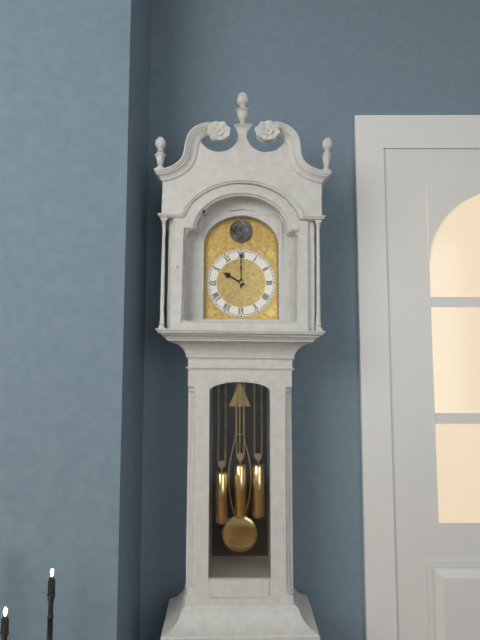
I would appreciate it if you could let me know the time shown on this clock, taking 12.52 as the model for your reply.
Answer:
10.00
